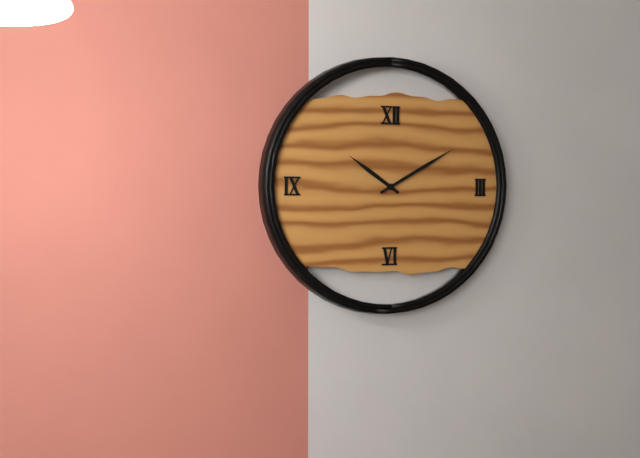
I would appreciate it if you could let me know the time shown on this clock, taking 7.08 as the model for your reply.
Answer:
10.10
